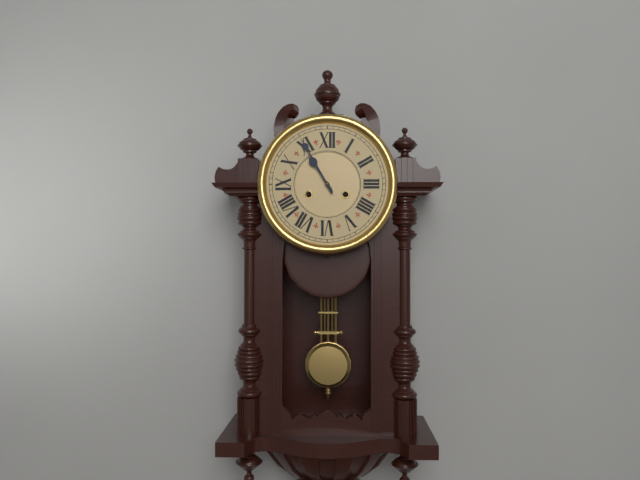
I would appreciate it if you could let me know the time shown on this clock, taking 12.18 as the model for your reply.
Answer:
10.55
